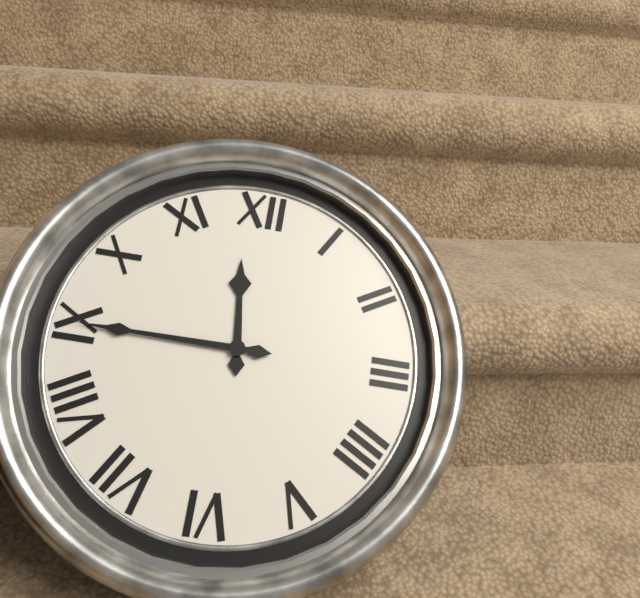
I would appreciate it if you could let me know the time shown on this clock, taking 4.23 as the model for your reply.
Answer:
11.45
